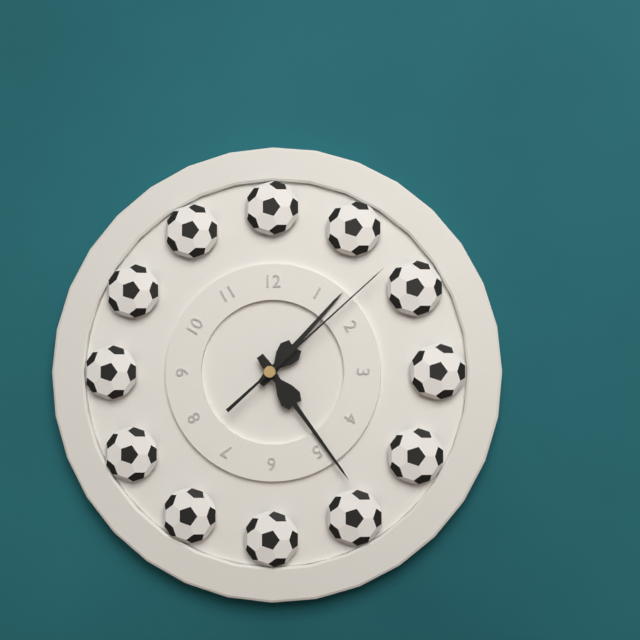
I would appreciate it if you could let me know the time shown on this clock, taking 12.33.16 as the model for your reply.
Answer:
1.24.08
